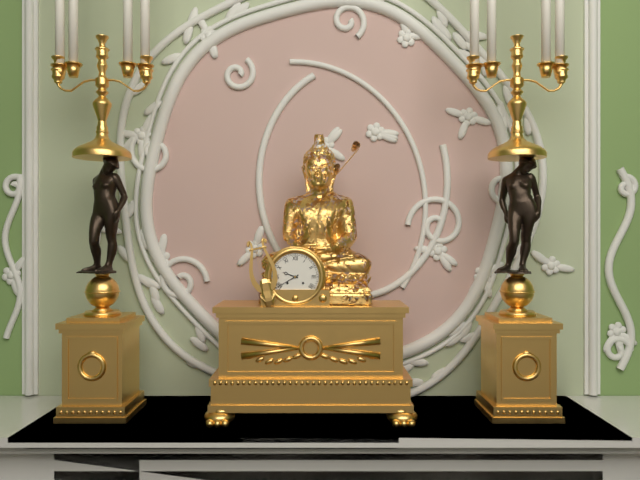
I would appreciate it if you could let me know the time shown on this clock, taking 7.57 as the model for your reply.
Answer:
9.40
